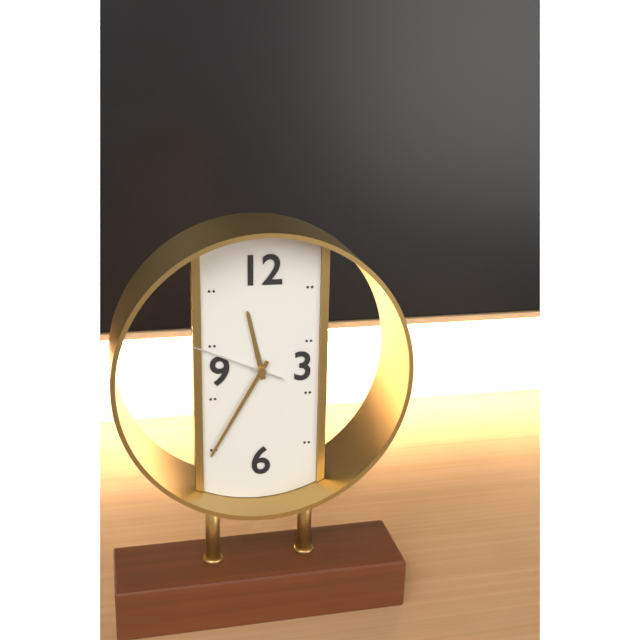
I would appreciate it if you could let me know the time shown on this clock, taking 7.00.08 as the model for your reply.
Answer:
11.35.49
